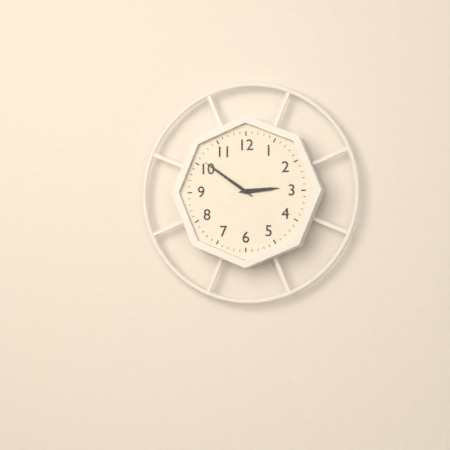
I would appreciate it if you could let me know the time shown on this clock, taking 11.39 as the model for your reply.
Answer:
2.51
